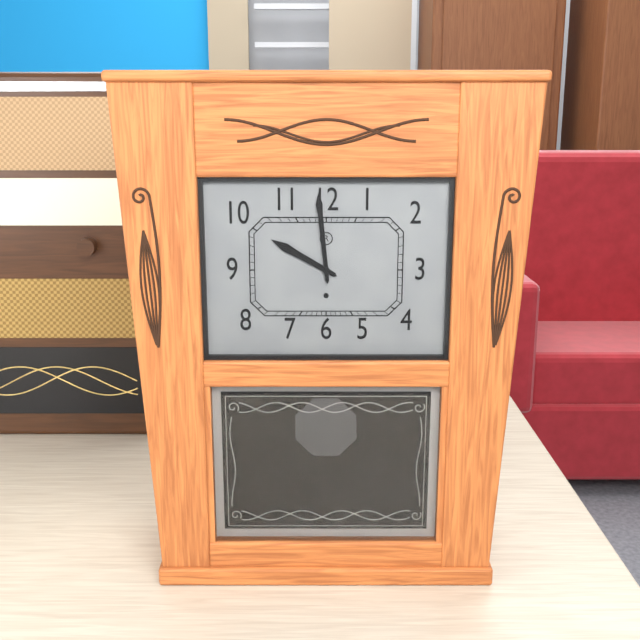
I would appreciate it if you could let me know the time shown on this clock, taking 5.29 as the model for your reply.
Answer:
9.59
